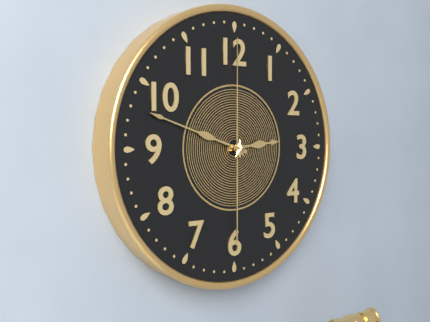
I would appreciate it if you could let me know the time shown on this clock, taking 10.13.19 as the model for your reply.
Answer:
2.48.00
